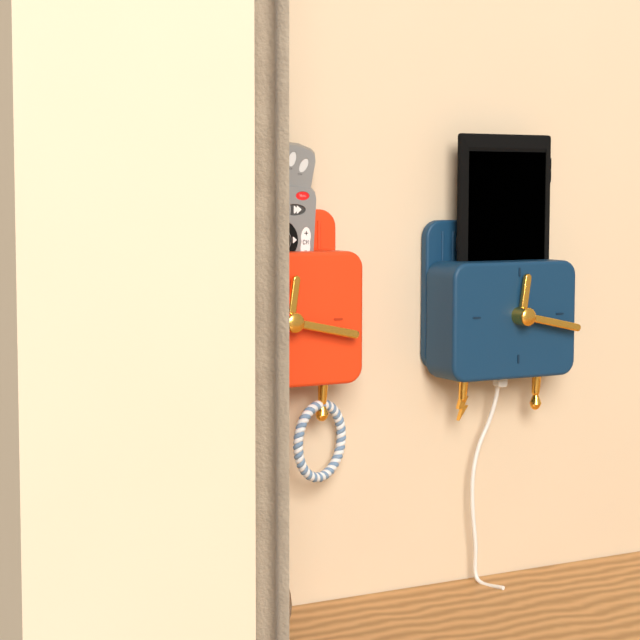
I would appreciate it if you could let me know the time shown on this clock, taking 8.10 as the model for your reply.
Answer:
12.17
